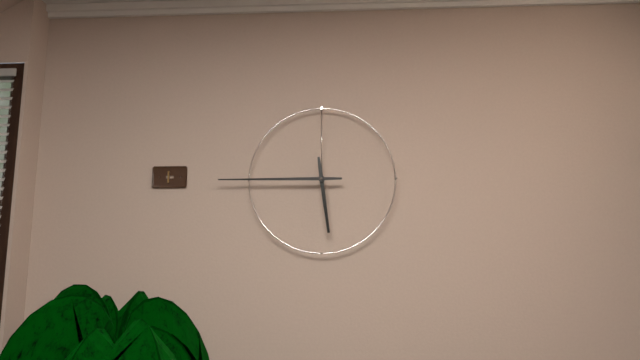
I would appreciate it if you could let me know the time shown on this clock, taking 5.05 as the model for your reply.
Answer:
5.45
